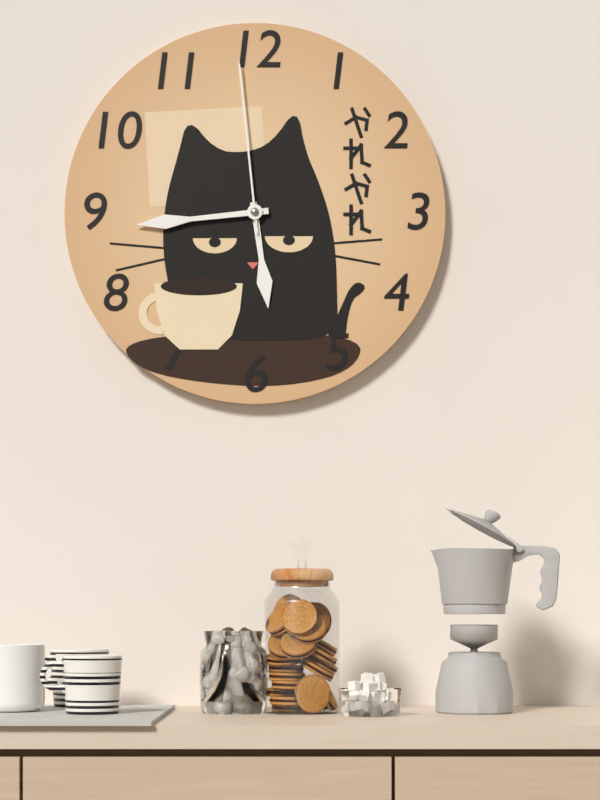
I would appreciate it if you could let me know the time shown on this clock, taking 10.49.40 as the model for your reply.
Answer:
5.44.59
